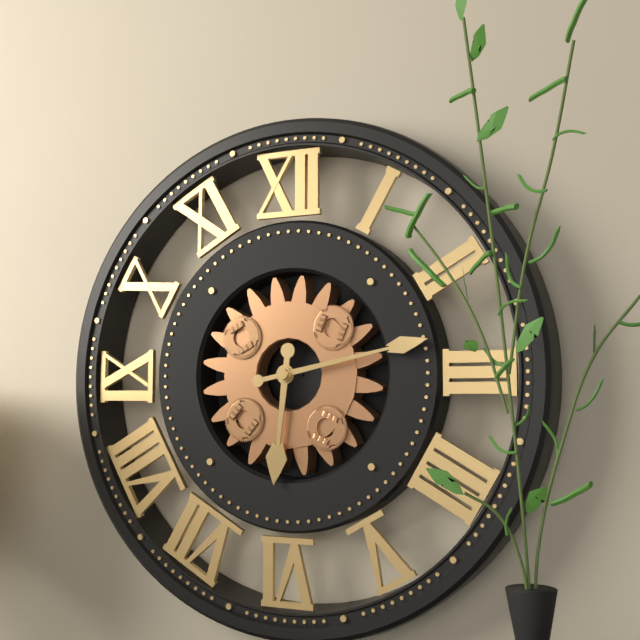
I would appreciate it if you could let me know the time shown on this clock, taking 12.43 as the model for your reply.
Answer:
6.13
